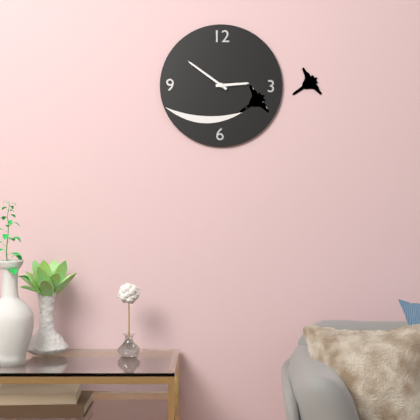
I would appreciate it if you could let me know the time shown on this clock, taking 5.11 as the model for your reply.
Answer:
2.51
